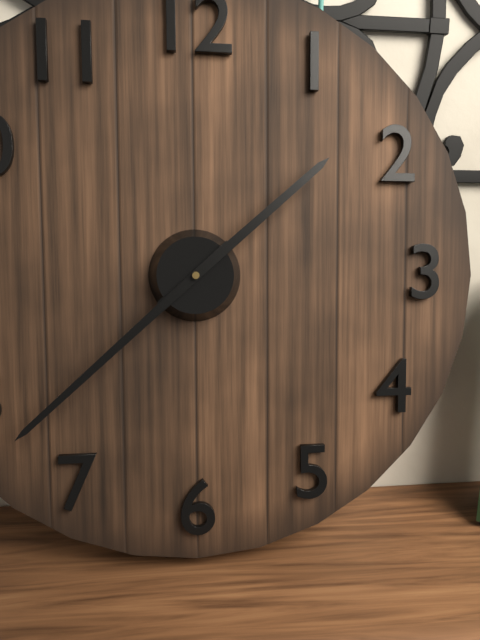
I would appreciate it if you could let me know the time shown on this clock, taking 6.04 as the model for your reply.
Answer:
1.38
